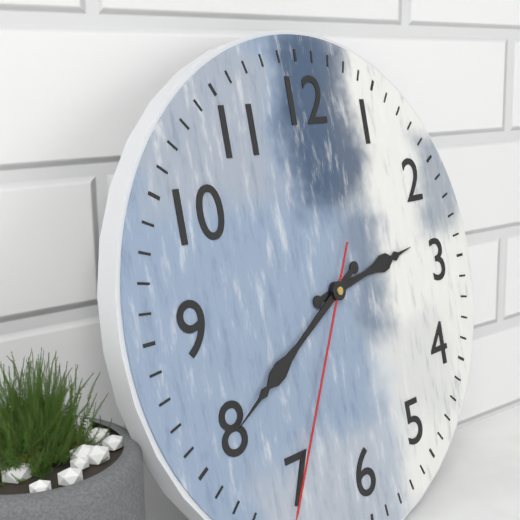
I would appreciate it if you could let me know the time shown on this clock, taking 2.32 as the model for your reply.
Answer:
2.40
